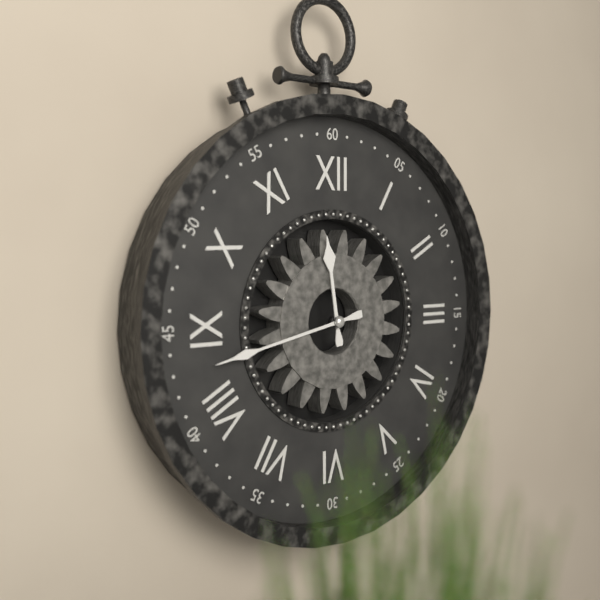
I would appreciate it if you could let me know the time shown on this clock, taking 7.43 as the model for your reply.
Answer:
11.43
